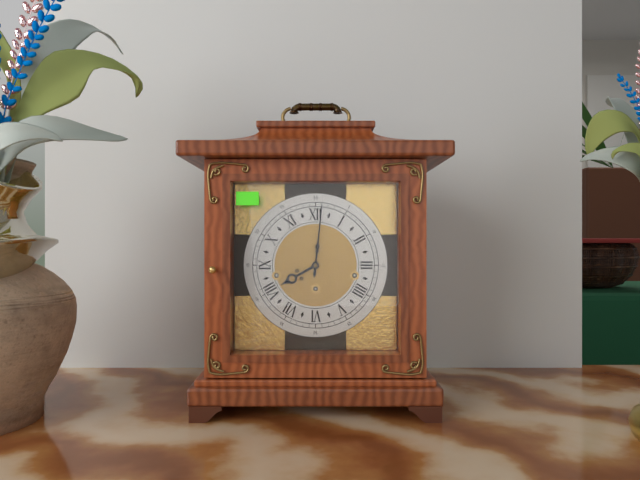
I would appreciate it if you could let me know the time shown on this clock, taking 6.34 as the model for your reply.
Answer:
8.01
